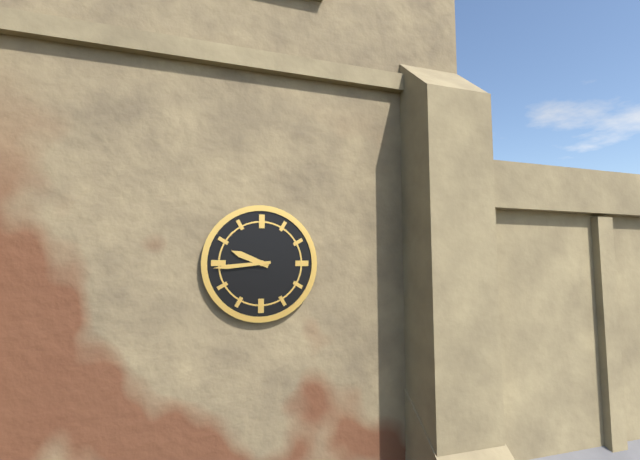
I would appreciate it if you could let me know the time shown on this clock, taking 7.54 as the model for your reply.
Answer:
9.44
